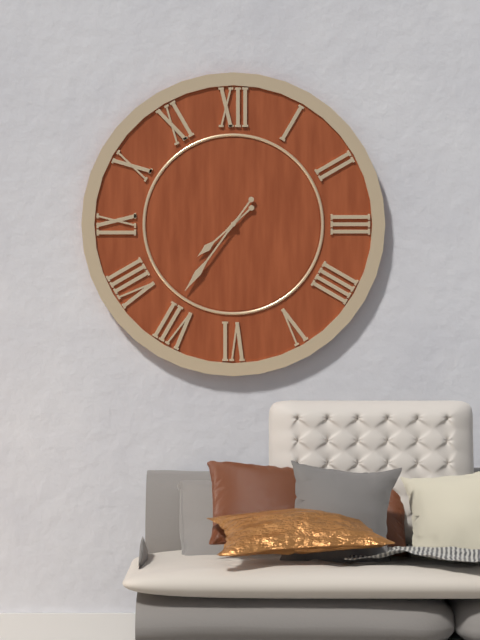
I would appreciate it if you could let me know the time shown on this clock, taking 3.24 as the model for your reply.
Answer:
7.36
